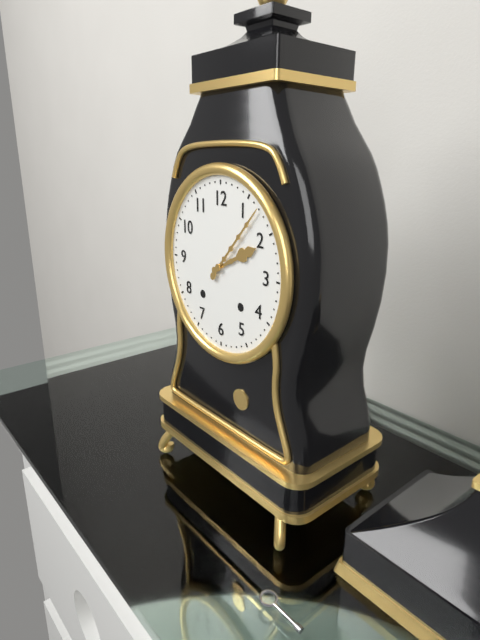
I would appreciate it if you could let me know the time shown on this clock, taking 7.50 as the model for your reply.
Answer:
2.07
